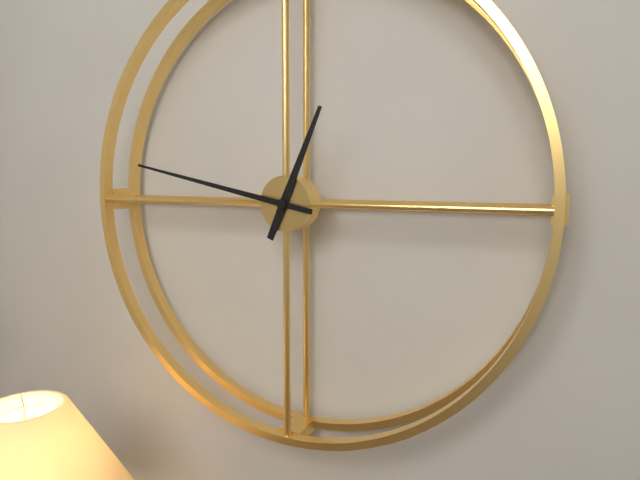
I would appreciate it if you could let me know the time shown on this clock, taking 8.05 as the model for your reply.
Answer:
12.47
